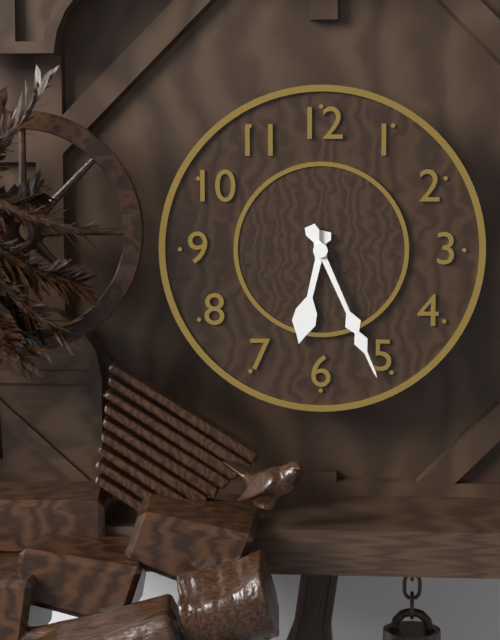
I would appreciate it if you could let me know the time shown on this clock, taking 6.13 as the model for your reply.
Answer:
6.26
